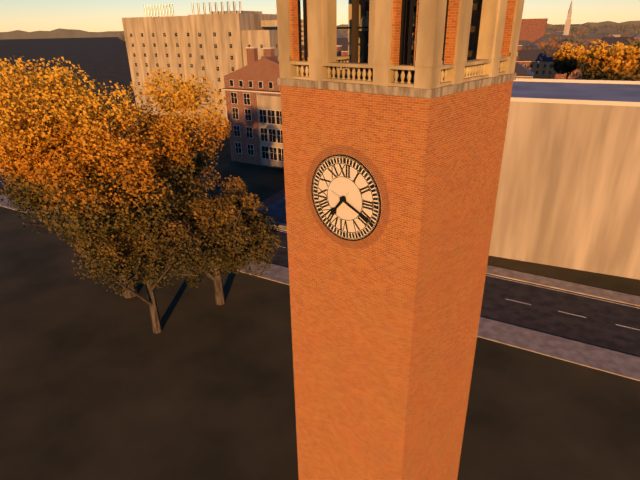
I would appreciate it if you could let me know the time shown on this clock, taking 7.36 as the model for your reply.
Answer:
7.19
